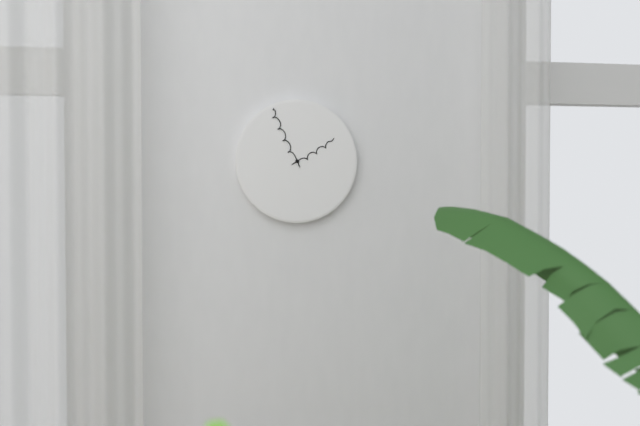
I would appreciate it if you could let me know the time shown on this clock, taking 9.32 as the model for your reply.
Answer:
1.56
